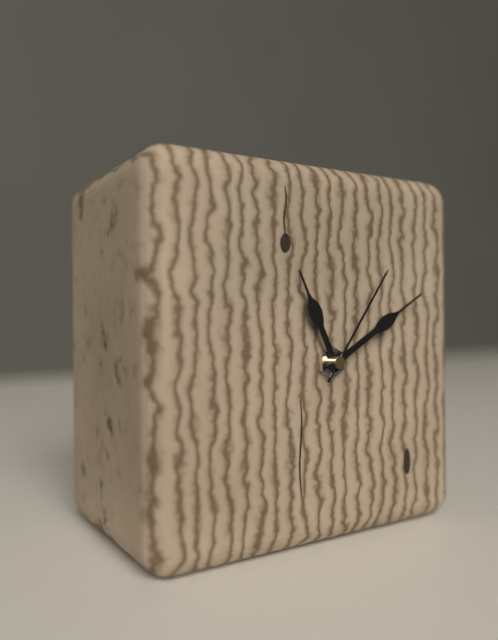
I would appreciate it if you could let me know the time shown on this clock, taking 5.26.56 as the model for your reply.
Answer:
11.10.06
